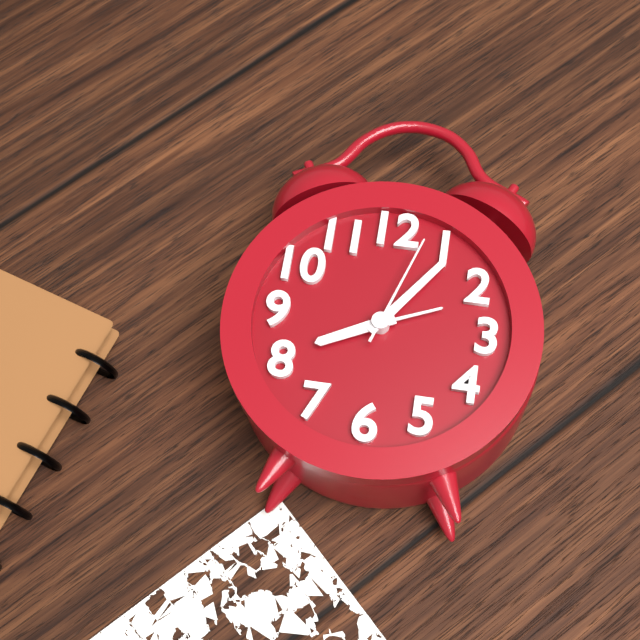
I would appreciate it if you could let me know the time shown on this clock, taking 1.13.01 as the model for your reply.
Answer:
8.06.03
